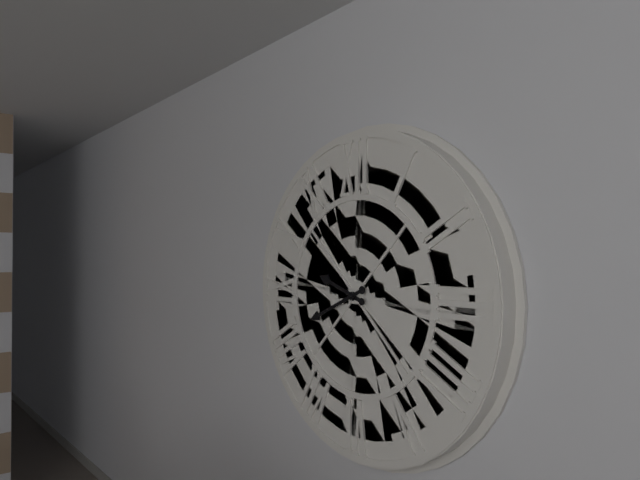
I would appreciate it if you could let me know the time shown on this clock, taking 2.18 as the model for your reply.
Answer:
9.41
